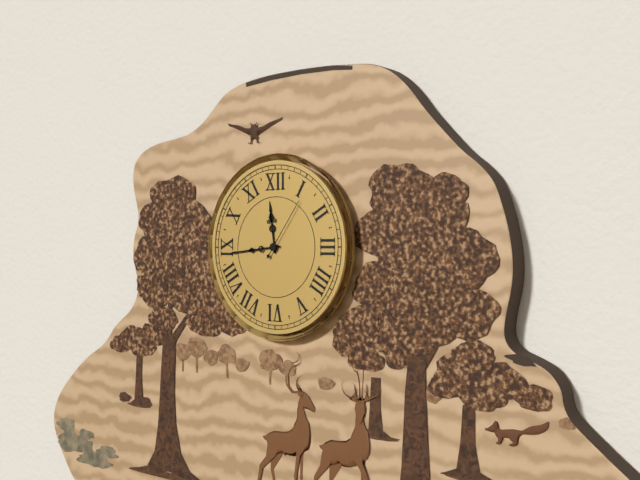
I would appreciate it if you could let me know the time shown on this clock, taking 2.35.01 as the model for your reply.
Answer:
11.44.06
